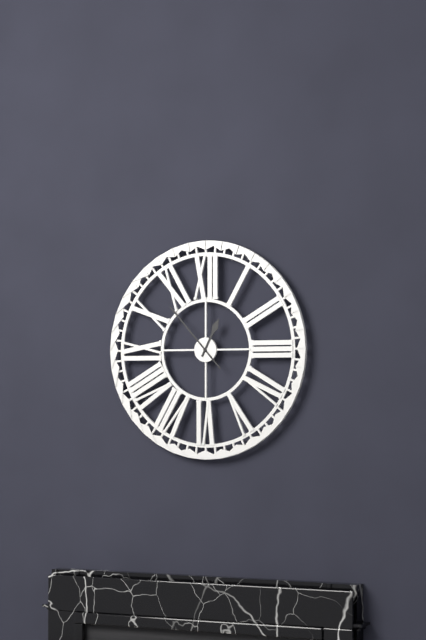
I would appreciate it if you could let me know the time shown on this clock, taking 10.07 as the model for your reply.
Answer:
12.53
